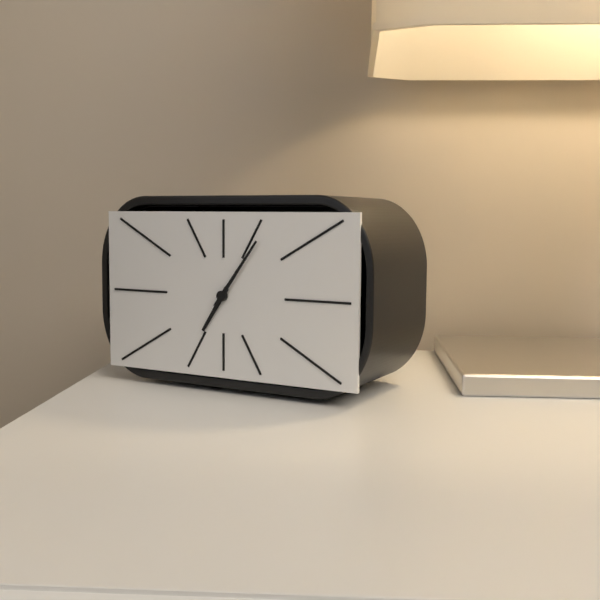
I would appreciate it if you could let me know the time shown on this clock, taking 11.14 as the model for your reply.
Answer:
7.06
